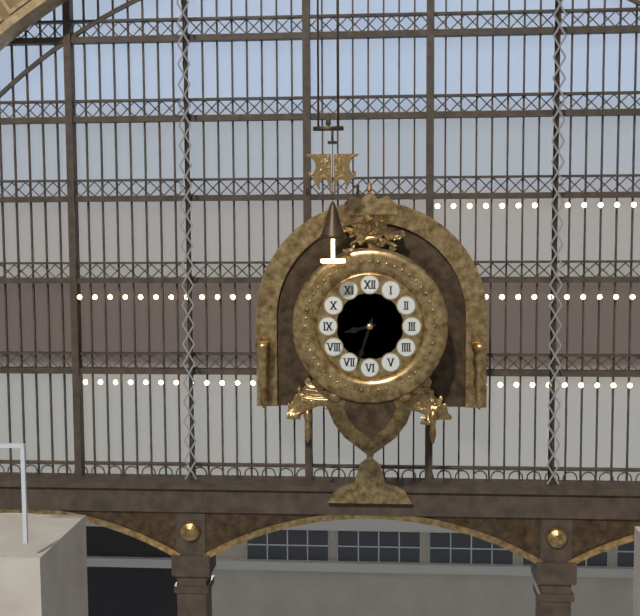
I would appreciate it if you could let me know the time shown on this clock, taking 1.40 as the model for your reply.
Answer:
8.33
